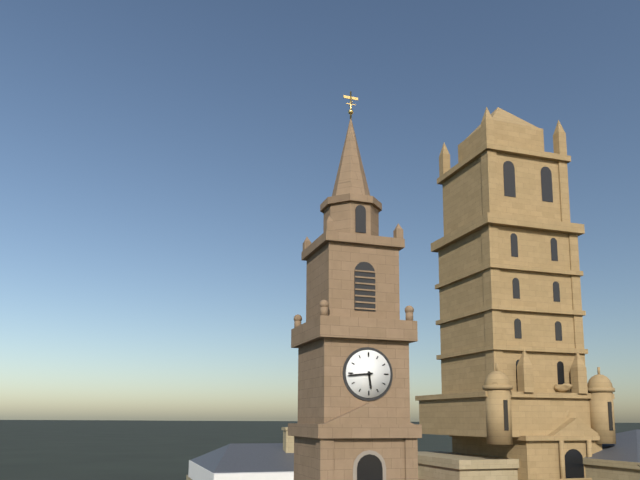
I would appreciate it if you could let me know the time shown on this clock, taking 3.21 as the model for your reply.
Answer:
5.44
